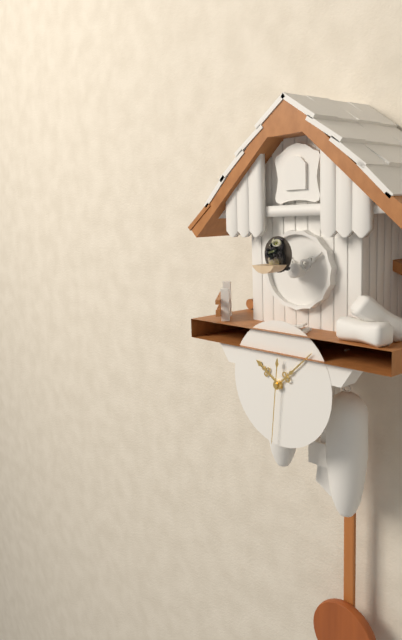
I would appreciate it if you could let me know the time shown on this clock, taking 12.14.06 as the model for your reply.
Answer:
10.08.31
